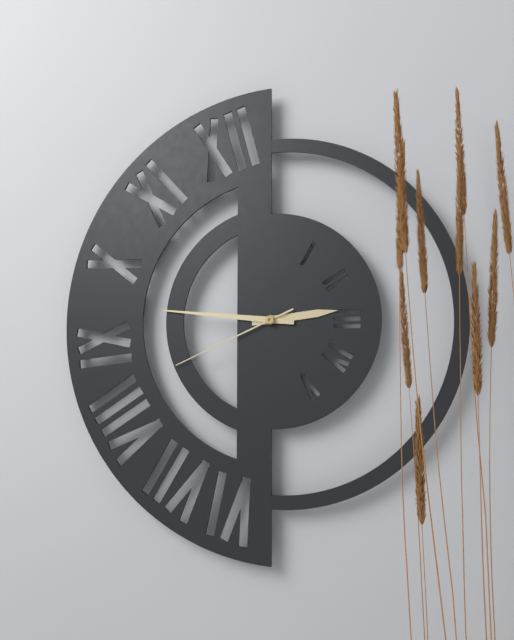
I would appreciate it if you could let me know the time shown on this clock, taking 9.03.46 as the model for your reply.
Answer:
2.46.41
